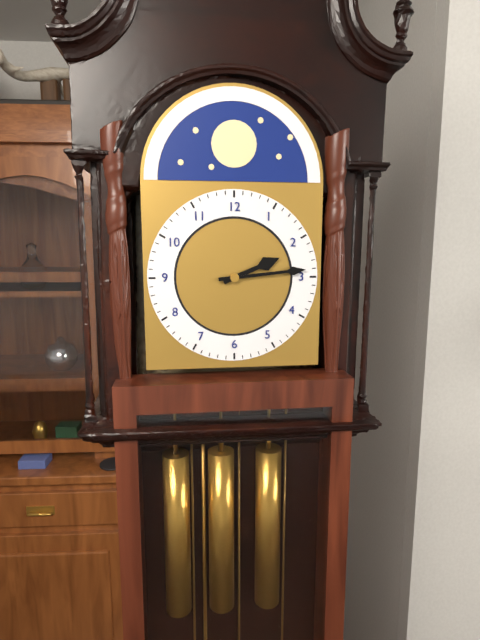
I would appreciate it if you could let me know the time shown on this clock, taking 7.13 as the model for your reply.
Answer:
2.14
